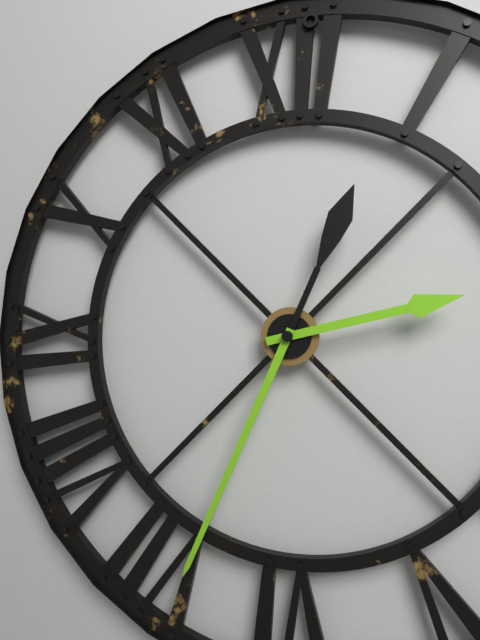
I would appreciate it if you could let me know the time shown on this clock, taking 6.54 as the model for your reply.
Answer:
2.34
